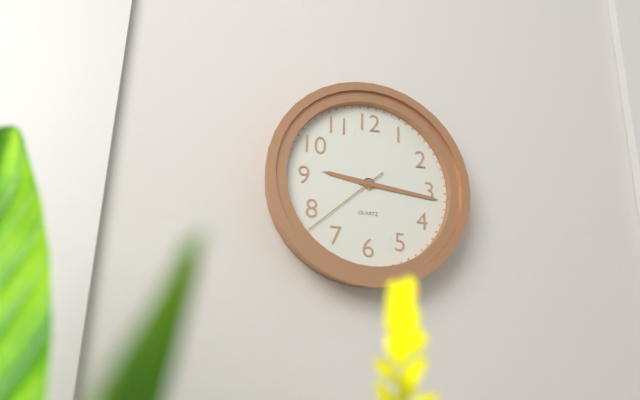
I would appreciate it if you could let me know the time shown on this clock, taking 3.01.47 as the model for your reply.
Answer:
9.16.38
